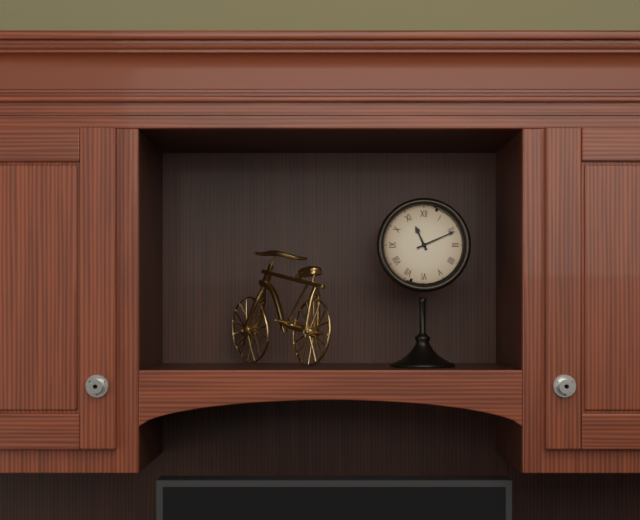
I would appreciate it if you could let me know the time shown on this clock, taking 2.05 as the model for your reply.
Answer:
11.11
